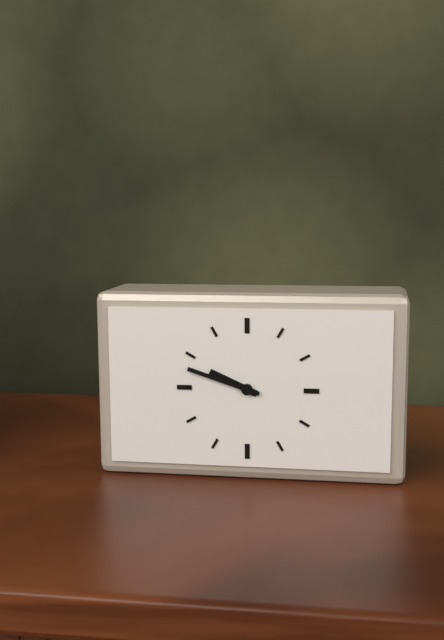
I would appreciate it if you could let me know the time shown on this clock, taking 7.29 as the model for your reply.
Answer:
9.48
